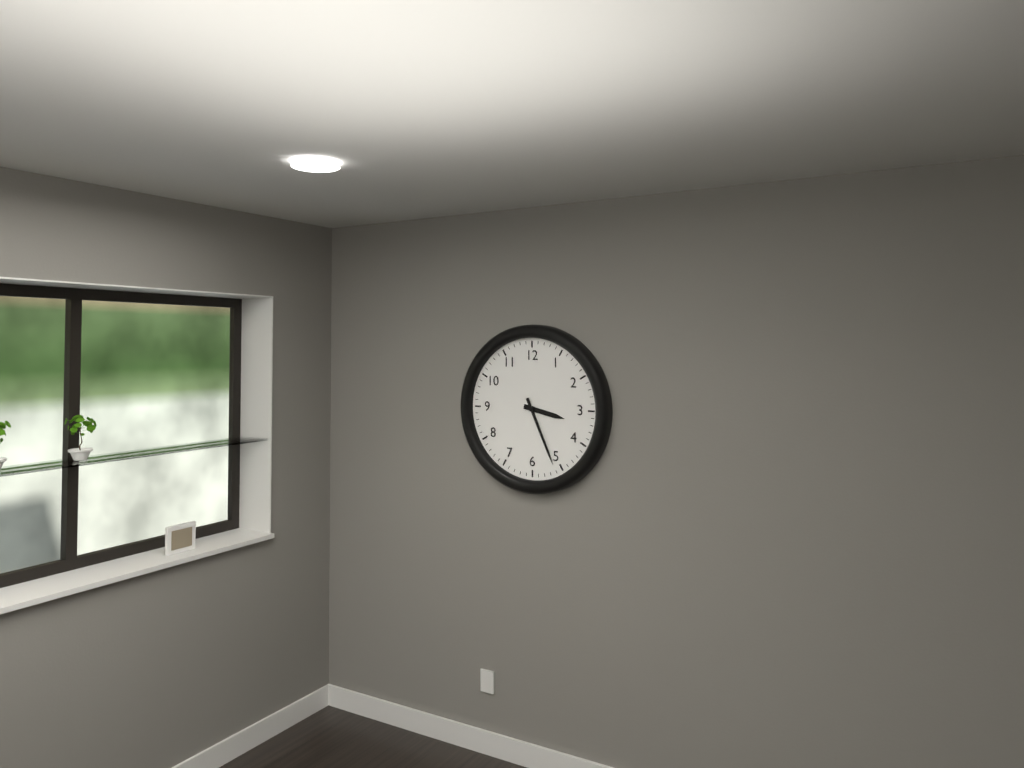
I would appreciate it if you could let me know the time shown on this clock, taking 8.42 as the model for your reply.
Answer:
3.26
